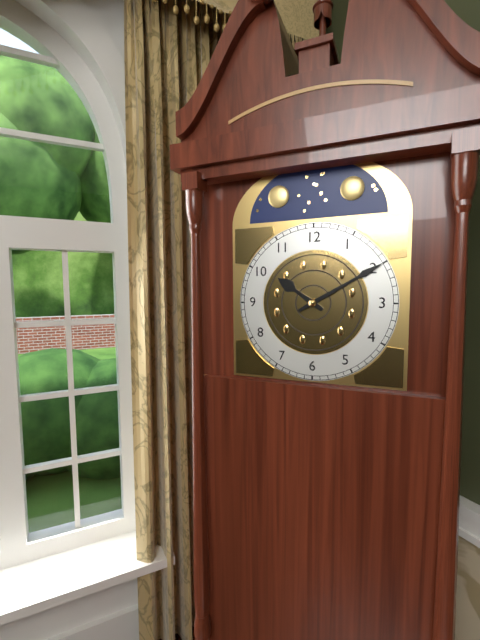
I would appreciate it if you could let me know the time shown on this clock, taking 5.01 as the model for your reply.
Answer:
10.10
